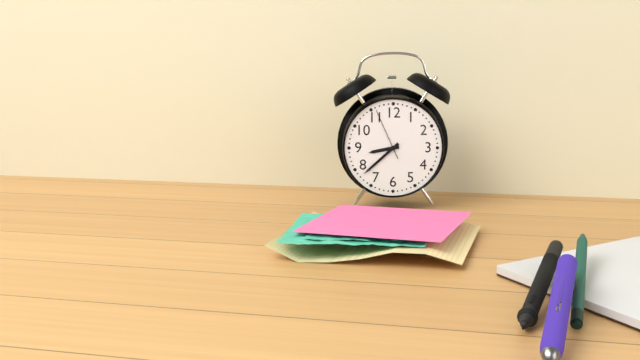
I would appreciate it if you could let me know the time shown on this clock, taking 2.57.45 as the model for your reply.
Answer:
8.38.56
